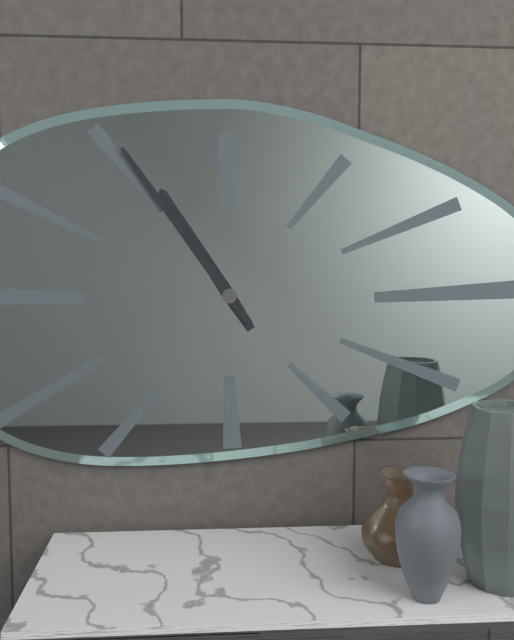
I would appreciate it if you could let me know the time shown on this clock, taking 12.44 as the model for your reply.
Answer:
10.54
